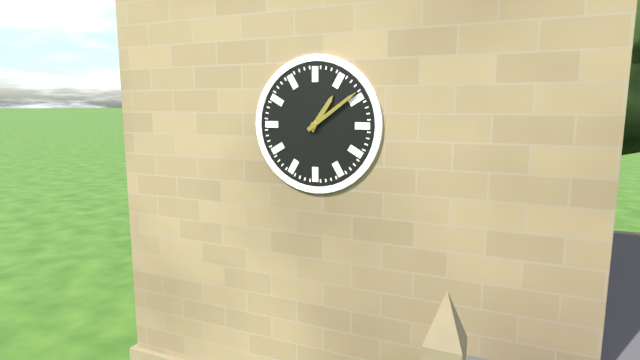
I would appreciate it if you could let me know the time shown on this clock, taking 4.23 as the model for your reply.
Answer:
1.09
